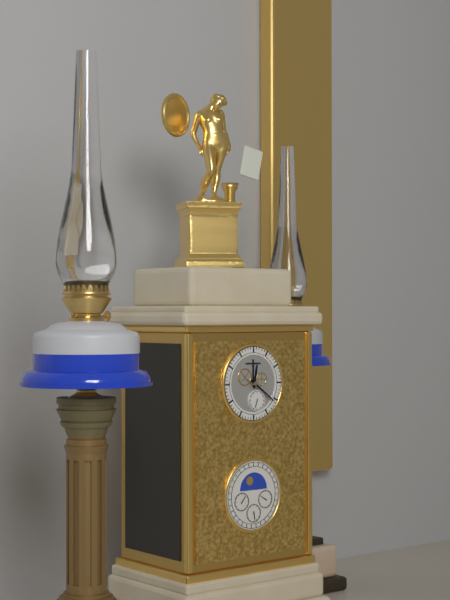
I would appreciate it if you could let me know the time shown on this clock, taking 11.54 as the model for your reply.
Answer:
12.21
